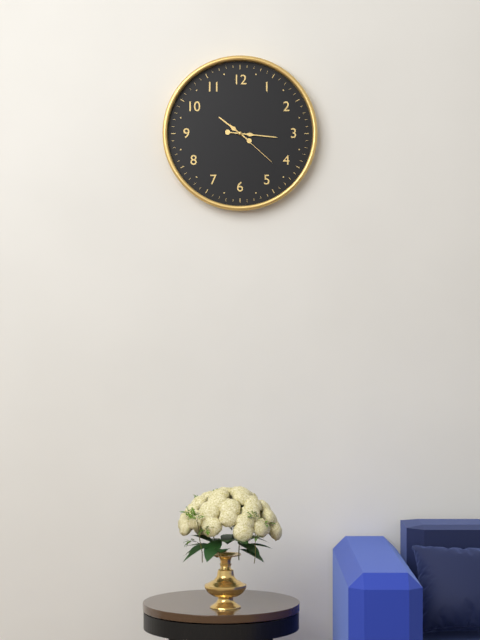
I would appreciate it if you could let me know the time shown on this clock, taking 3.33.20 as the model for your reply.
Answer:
10.16.22
